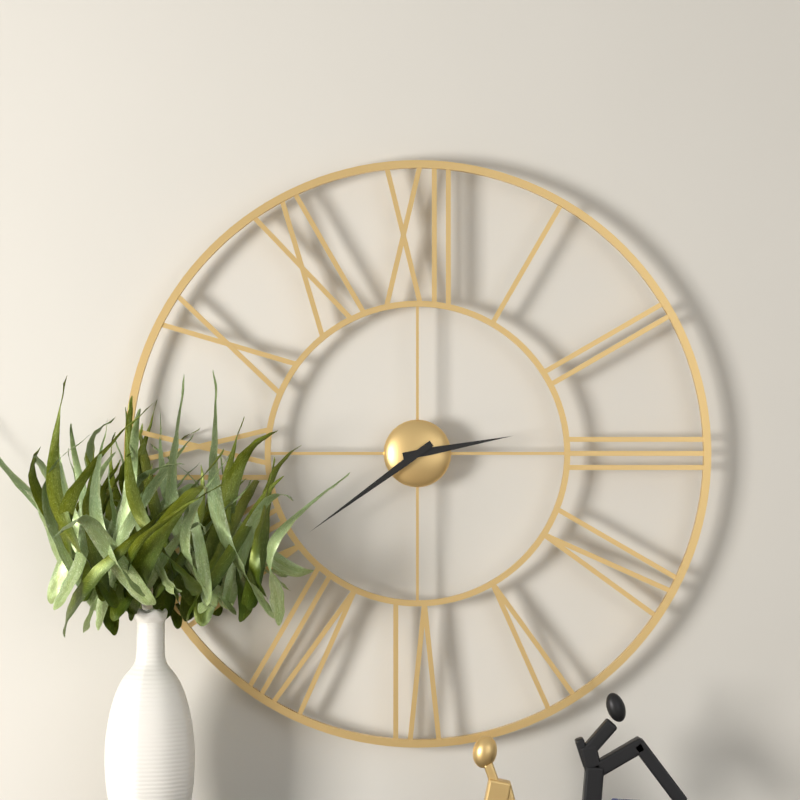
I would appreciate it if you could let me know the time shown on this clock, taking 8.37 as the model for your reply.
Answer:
2.39
